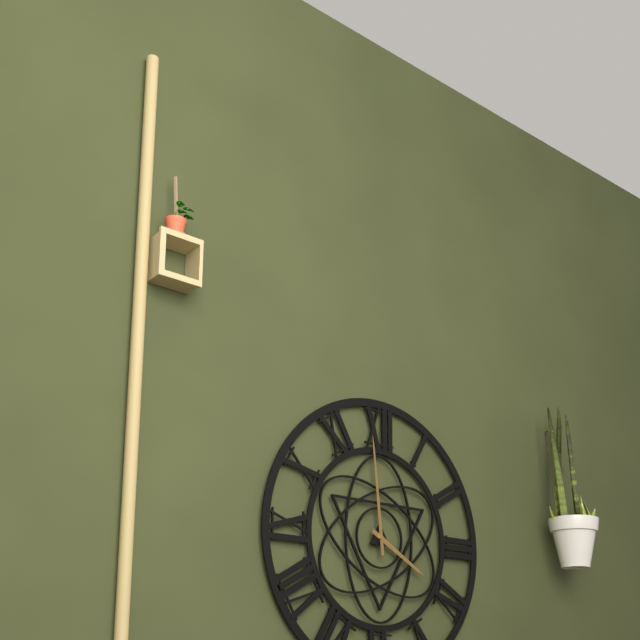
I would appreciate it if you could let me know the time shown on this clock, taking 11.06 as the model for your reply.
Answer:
3.59
